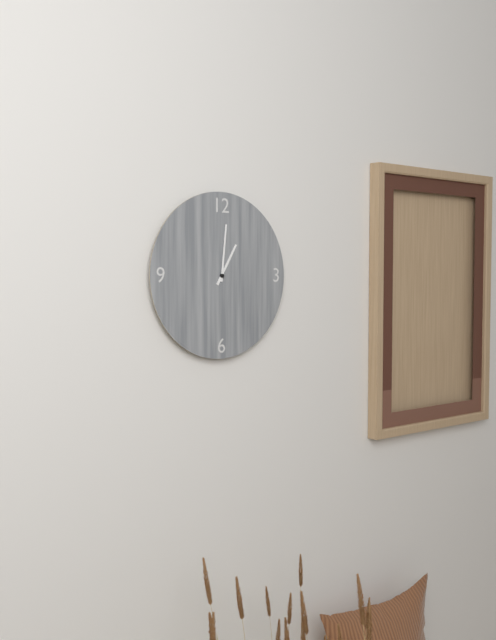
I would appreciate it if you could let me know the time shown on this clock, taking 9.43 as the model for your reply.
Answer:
1.01
